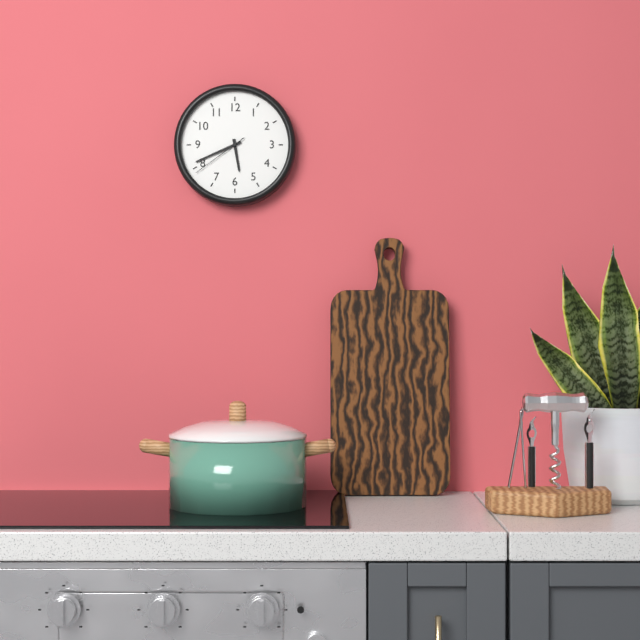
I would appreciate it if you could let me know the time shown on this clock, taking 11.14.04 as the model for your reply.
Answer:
5.41.39
